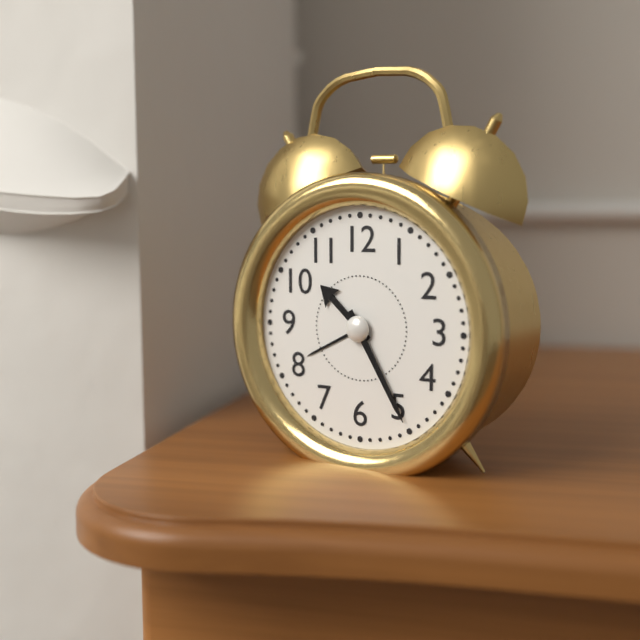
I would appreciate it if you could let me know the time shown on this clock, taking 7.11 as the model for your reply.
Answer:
10.25
